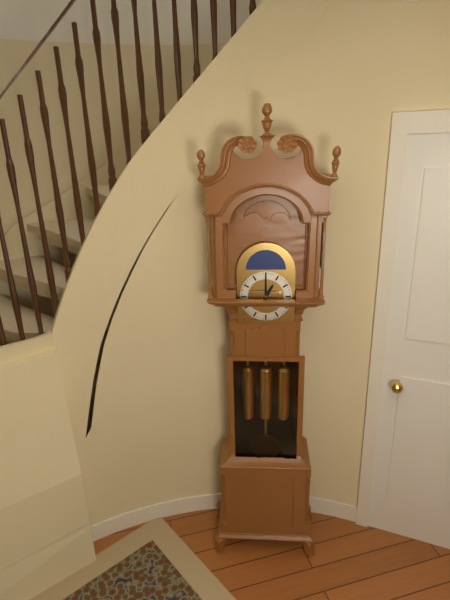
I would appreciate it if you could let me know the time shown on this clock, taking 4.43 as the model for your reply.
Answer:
1.00
